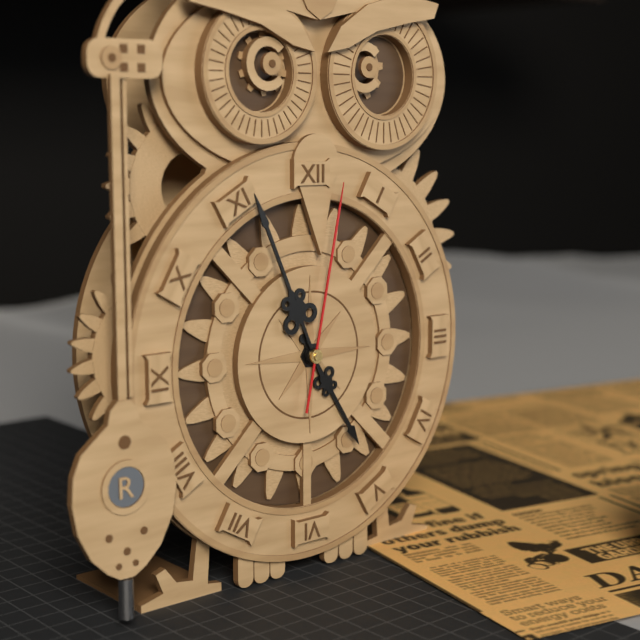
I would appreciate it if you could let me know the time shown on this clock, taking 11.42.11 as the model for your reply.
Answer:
4.56.02
